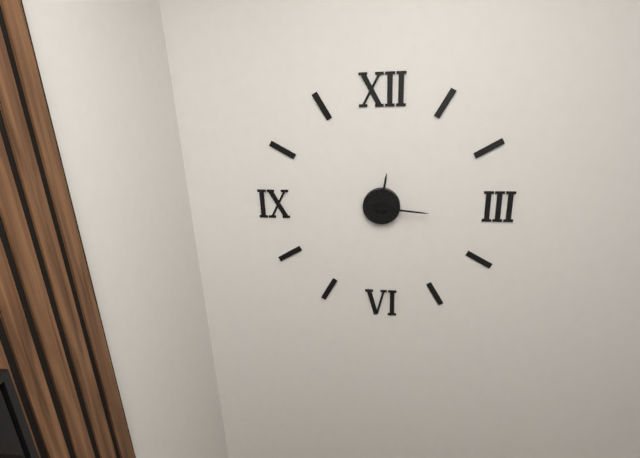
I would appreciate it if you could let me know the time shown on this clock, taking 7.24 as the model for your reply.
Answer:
12.16
